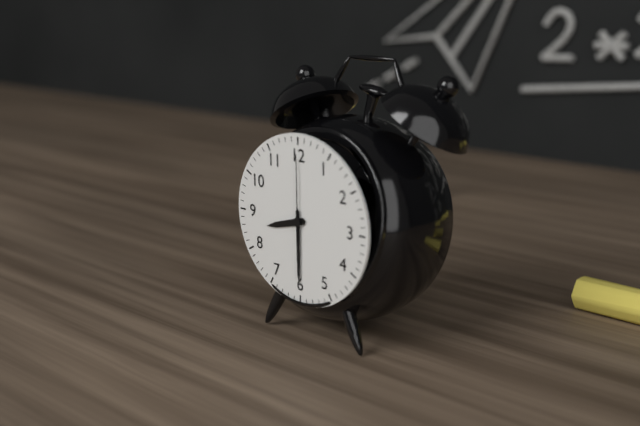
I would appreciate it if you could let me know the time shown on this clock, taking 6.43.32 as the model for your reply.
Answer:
8.30.00
